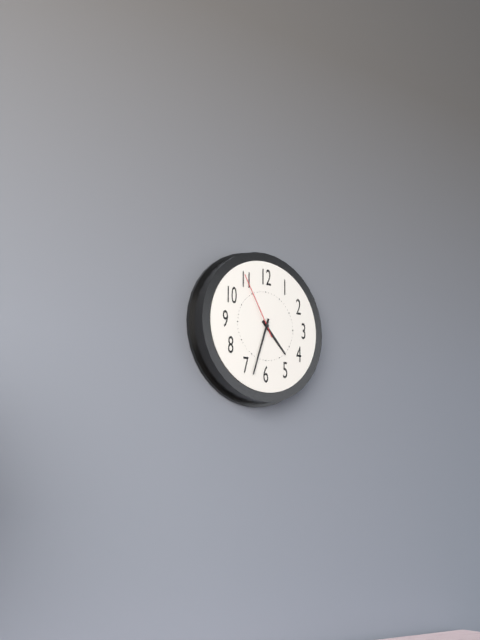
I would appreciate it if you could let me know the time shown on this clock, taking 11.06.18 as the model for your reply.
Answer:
4.33.55
